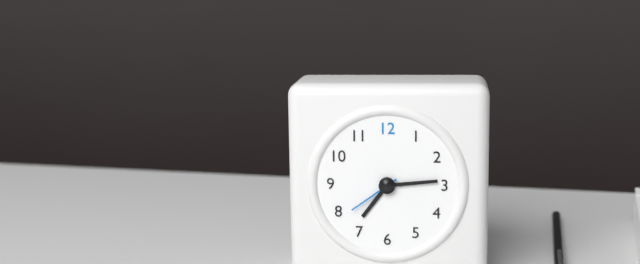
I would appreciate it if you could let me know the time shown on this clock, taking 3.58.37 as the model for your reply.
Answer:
7.14.39
